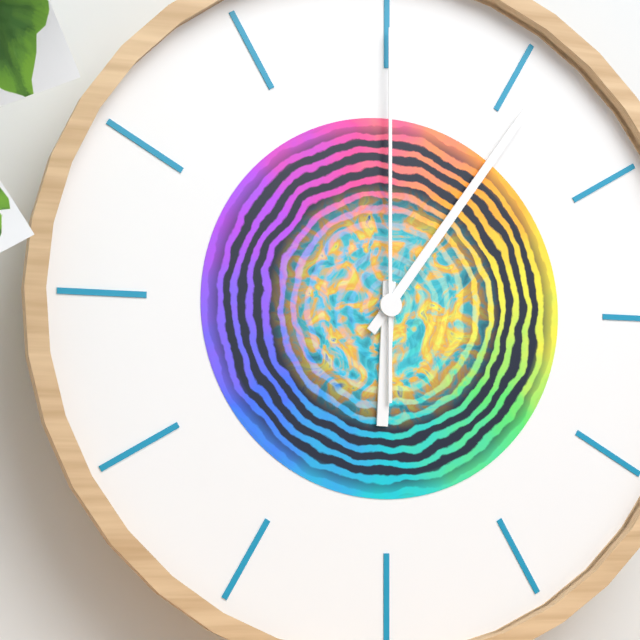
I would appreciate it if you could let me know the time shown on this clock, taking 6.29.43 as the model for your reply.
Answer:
6.06.00
